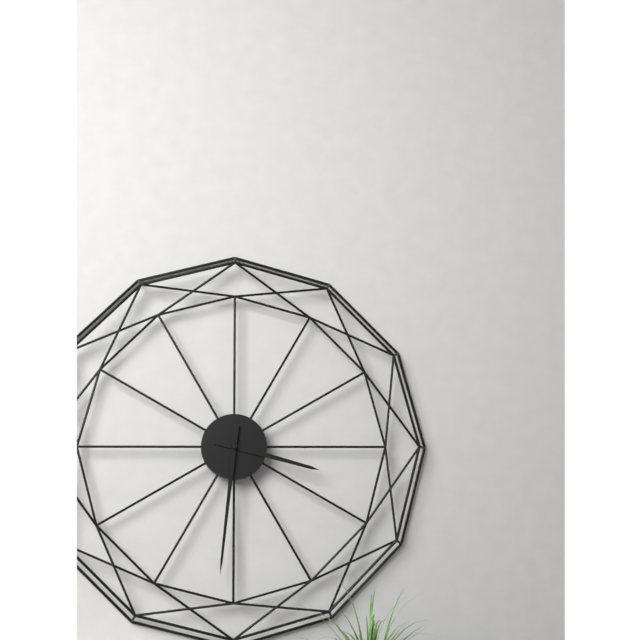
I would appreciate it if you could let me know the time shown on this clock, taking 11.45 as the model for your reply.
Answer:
3.31
